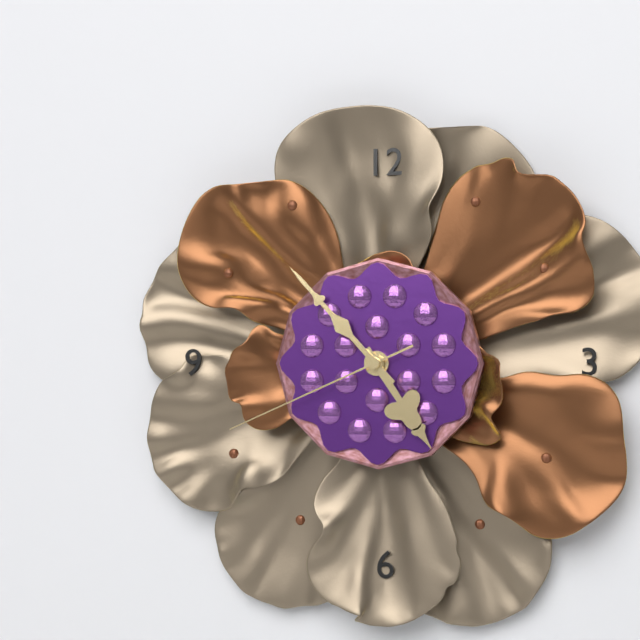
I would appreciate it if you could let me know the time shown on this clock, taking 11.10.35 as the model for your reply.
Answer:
4.53.41
